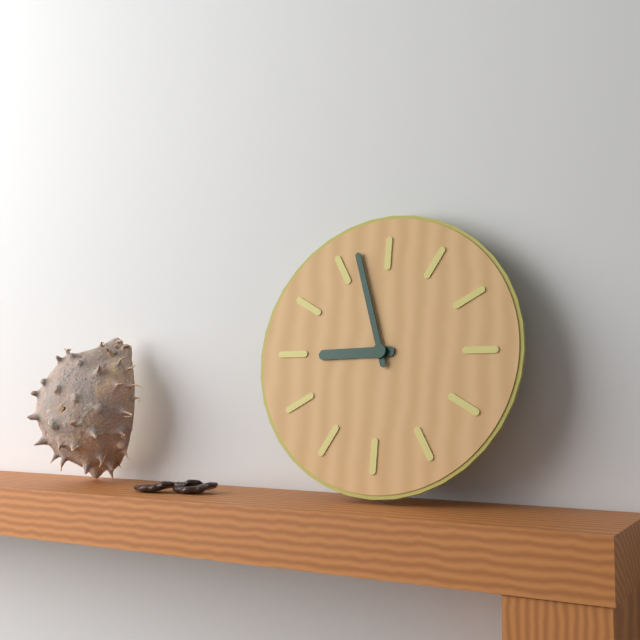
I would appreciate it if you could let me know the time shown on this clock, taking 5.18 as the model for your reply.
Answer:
8.57
